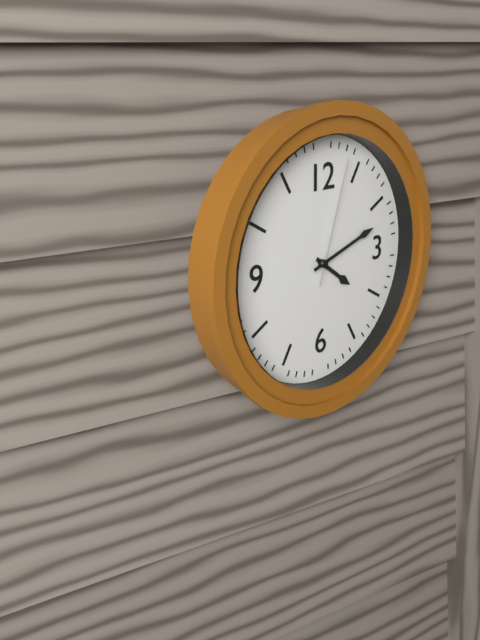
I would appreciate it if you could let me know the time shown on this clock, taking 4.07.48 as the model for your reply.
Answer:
4.12.03
